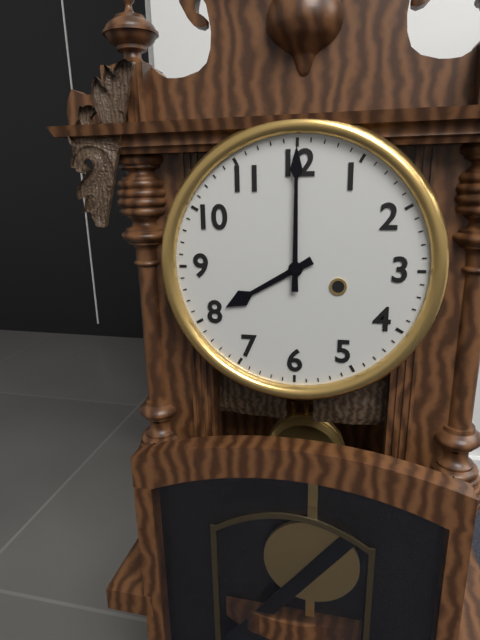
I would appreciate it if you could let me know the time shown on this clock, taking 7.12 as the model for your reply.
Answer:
8.00
